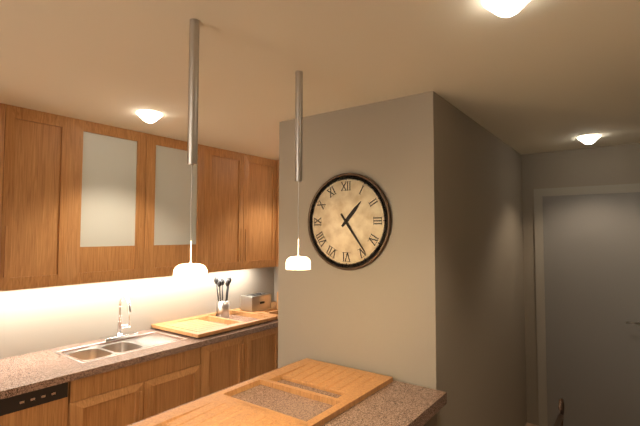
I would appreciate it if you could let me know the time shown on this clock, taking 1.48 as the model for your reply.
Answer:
1.24
